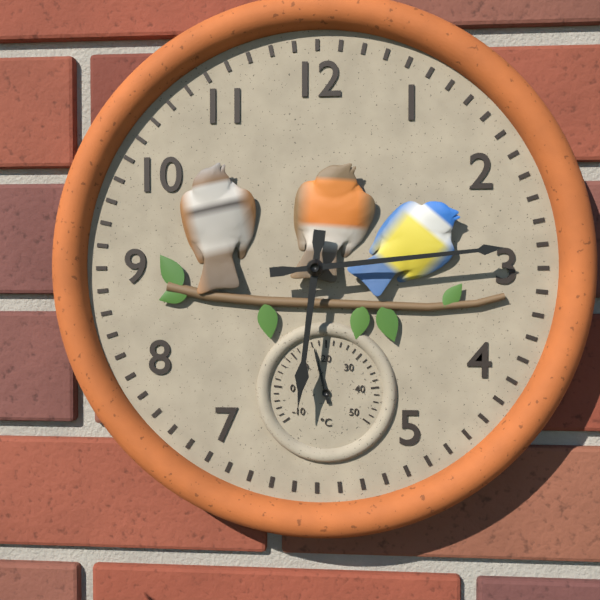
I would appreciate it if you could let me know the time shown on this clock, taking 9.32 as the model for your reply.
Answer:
6.14
